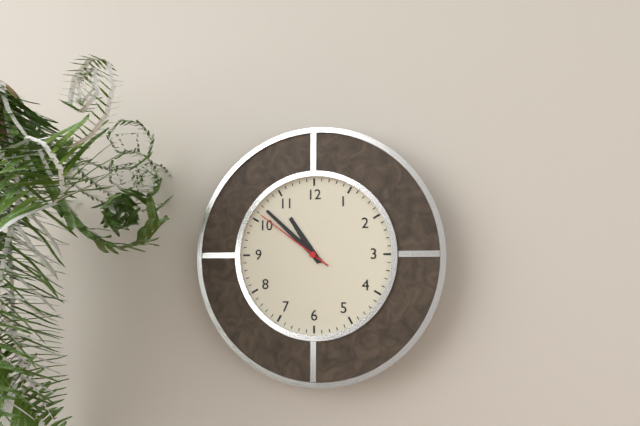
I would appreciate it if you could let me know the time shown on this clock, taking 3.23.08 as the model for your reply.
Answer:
10.52.51
